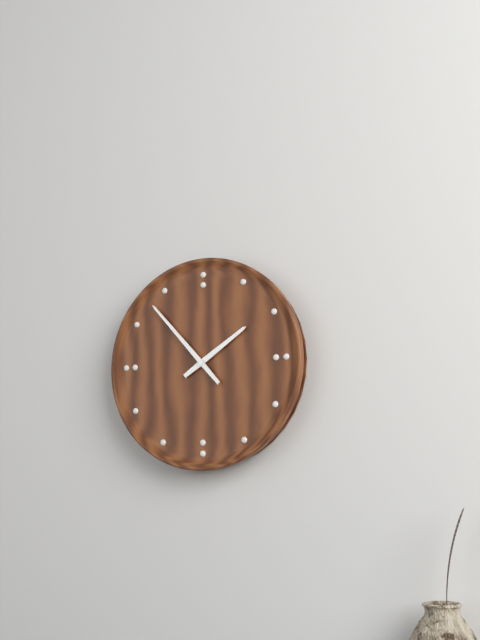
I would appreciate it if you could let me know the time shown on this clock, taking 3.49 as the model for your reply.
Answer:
1.53
